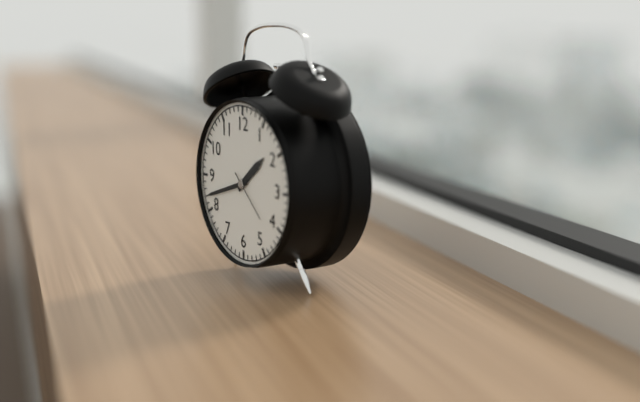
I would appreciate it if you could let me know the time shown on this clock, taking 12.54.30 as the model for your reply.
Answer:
1.42.22
